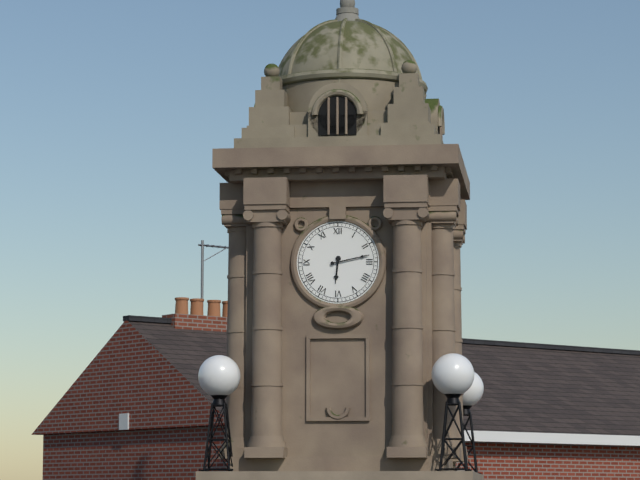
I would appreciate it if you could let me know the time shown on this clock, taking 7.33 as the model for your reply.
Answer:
6.13
